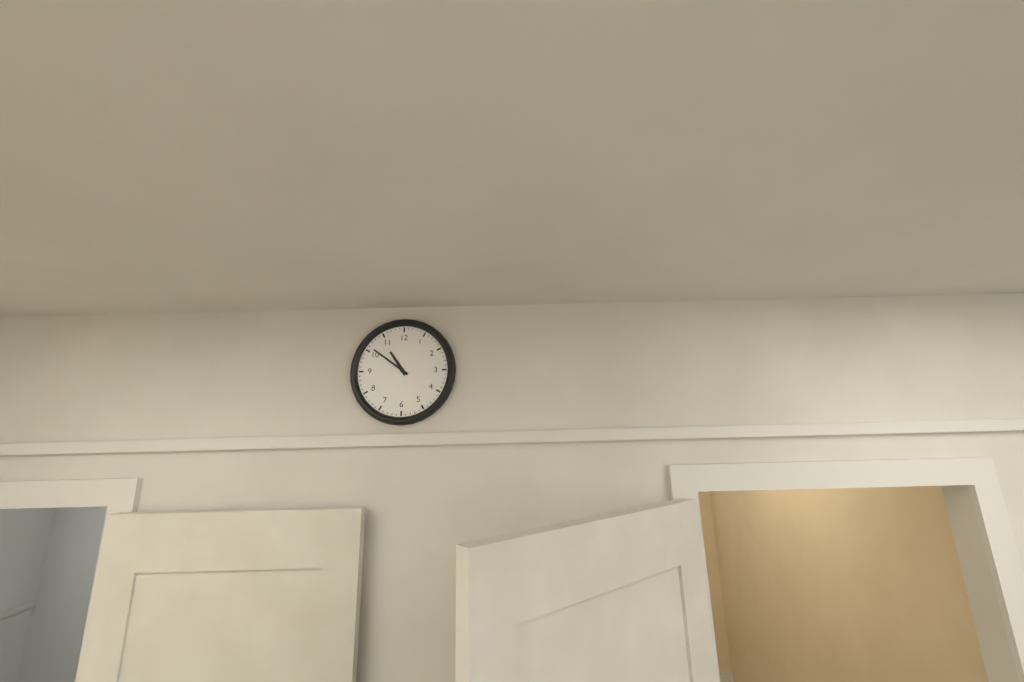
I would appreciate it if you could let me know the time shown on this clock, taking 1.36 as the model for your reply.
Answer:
10.51
